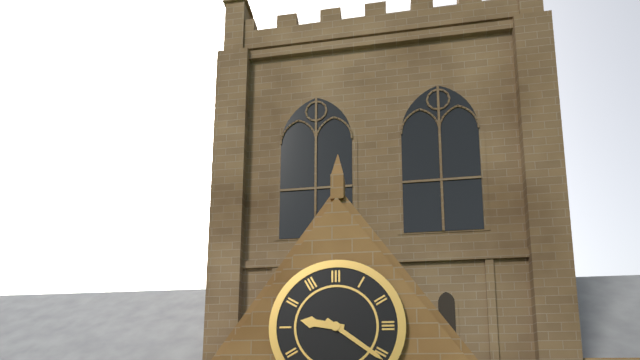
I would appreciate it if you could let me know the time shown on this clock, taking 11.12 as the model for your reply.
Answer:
9.21
